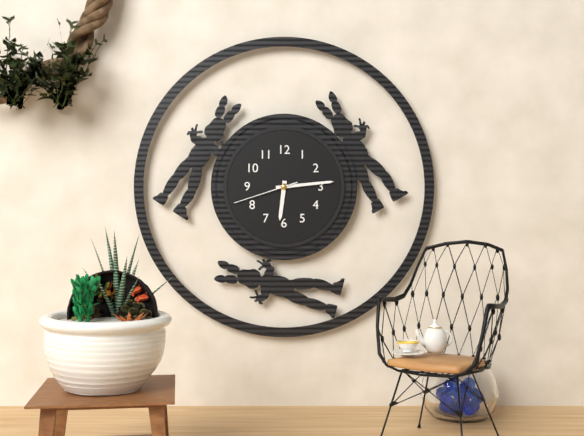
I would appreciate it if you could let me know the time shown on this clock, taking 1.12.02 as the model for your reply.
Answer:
6.14.42
